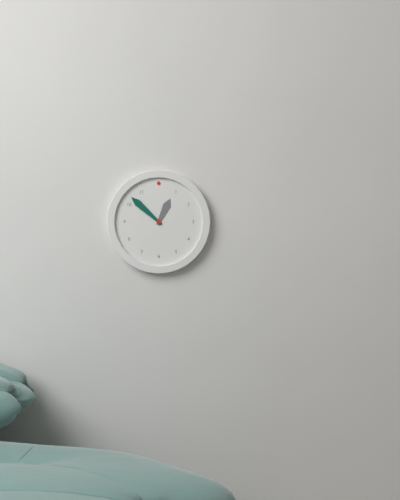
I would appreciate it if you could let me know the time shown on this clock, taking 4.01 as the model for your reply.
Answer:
12.52
